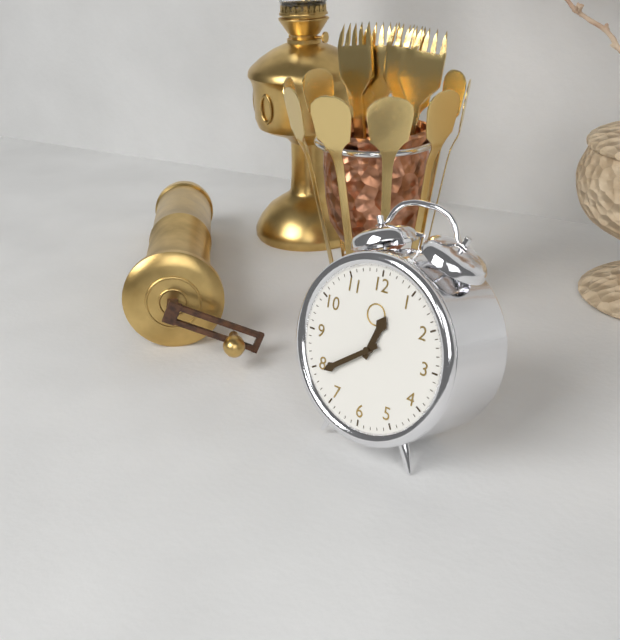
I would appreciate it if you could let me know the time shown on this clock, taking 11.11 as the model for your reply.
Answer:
12.39
